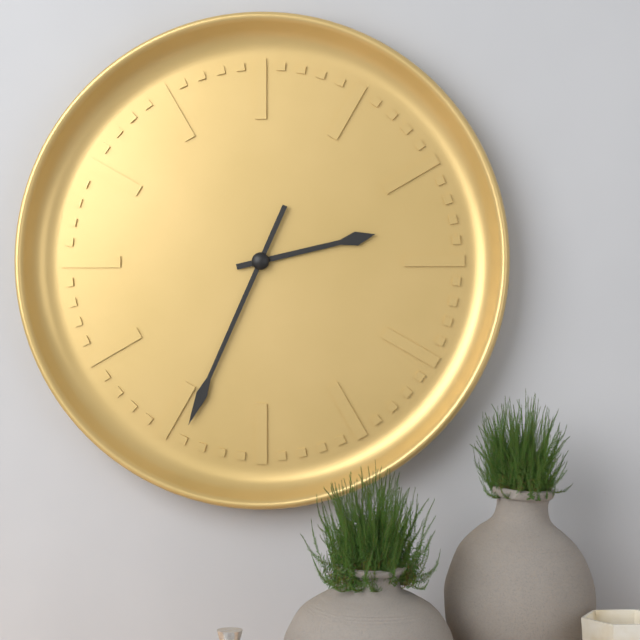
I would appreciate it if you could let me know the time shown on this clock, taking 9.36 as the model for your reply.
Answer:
2.34
